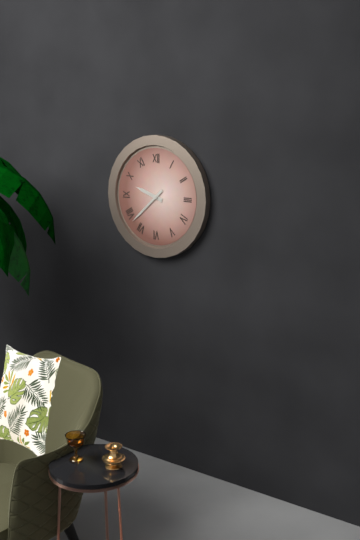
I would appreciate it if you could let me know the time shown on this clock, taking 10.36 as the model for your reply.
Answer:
9.38
